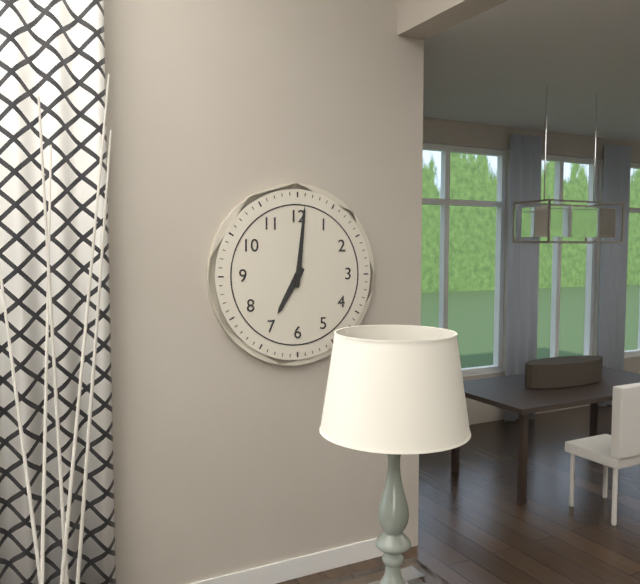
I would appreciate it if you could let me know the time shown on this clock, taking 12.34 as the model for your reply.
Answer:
7.01
